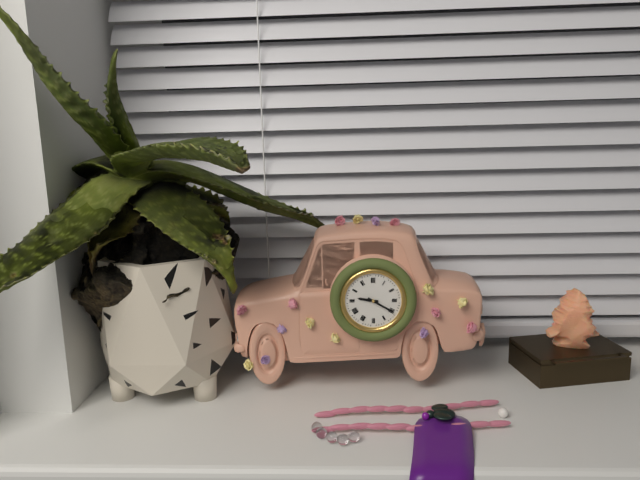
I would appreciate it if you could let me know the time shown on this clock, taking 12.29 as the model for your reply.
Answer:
9.20
